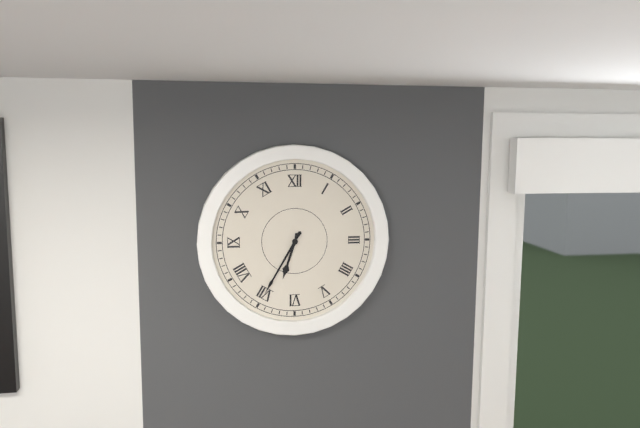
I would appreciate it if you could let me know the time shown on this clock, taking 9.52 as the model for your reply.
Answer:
6.35
